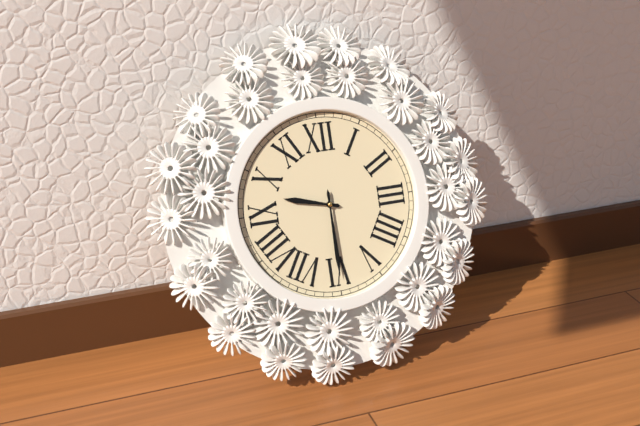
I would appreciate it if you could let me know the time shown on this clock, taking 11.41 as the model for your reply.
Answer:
9.30
